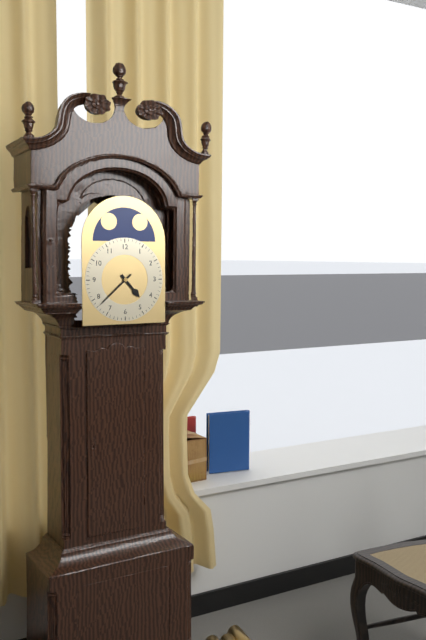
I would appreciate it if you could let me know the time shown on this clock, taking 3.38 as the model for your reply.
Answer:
4.38
